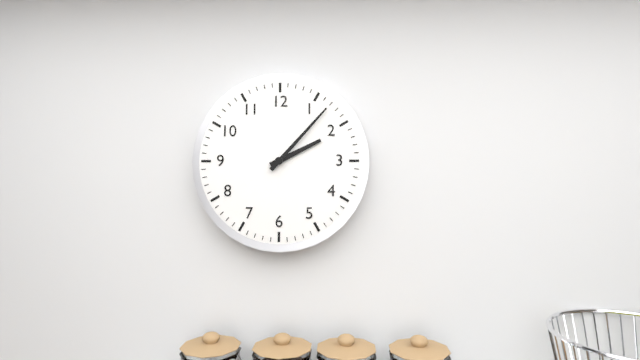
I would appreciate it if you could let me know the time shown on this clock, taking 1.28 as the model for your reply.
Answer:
2.07
